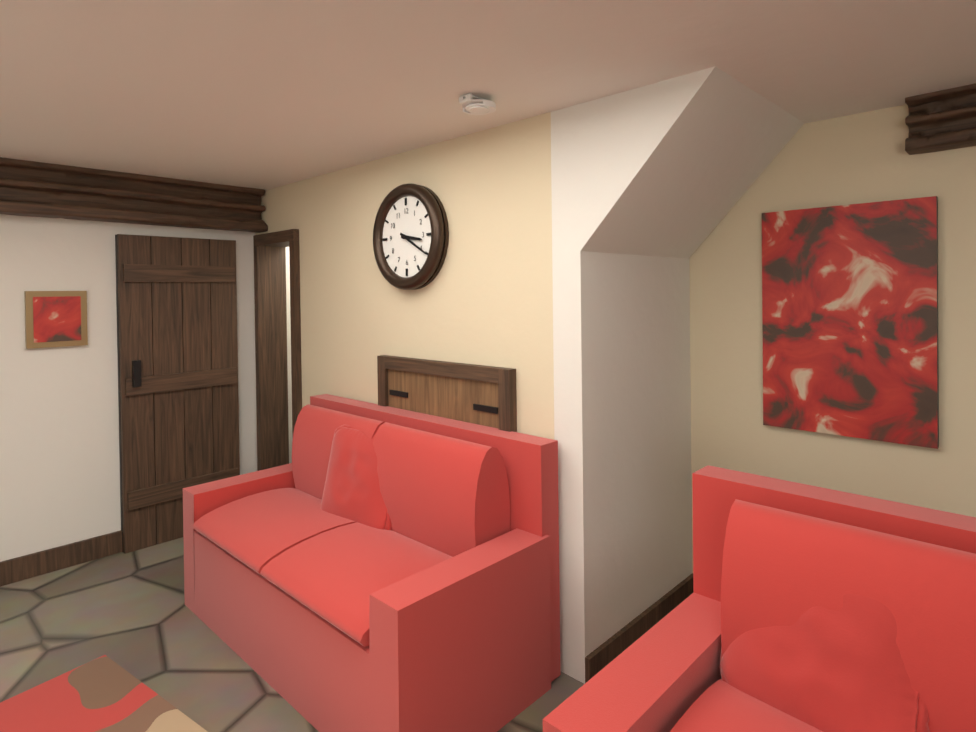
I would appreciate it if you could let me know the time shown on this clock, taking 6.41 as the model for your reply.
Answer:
3.20
